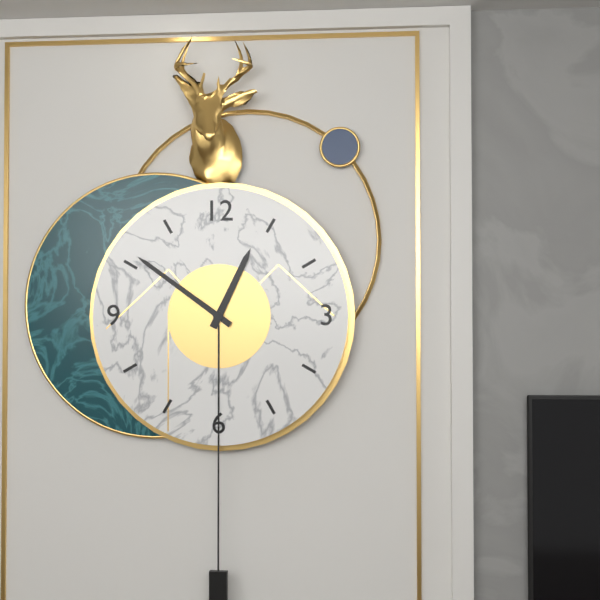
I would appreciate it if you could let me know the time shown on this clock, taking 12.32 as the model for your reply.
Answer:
12.51
